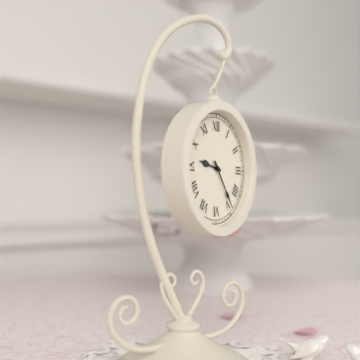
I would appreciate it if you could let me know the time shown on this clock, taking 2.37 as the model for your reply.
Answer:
9.24
